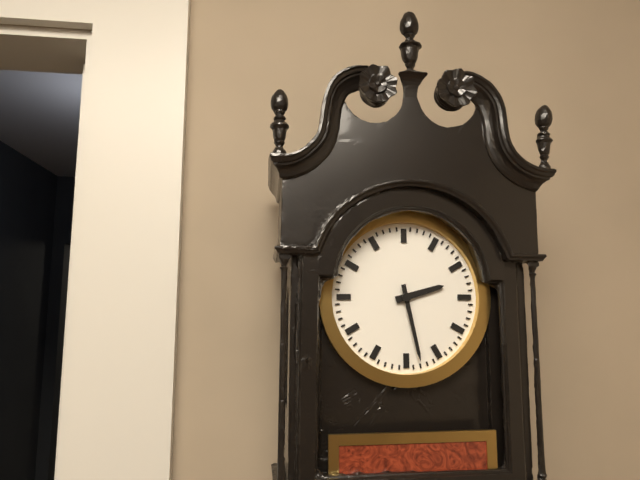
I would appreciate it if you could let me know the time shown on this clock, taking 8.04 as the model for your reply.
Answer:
2.28
